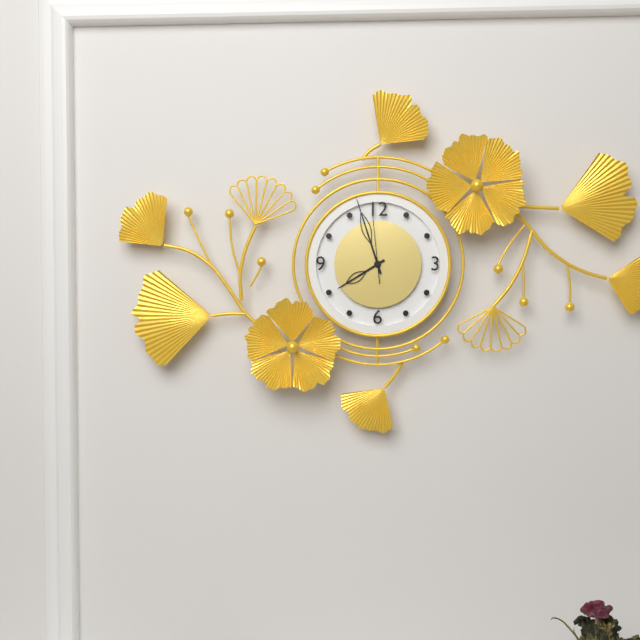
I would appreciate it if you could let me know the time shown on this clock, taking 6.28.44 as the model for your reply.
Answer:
7.57.59
